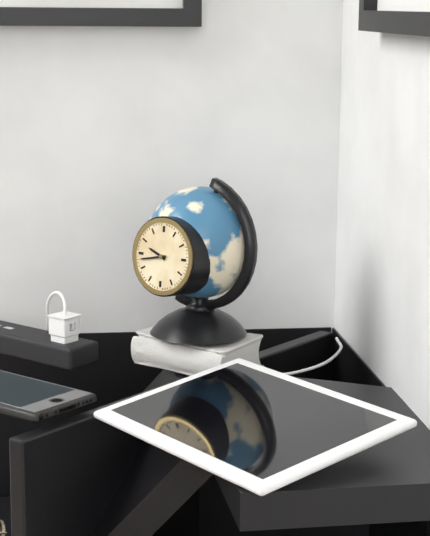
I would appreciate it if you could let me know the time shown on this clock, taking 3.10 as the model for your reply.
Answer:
9.43
